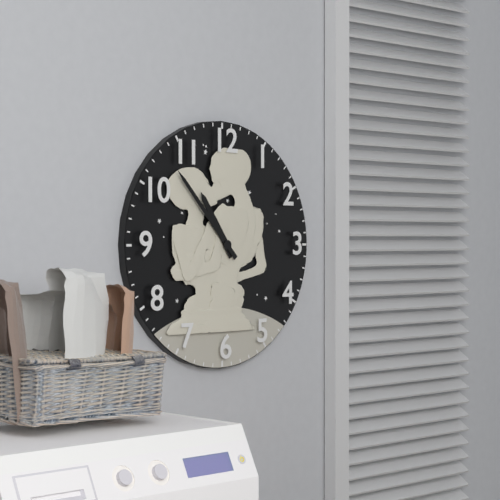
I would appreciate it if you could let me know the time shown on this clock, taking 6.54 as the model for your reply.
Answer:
10.53
